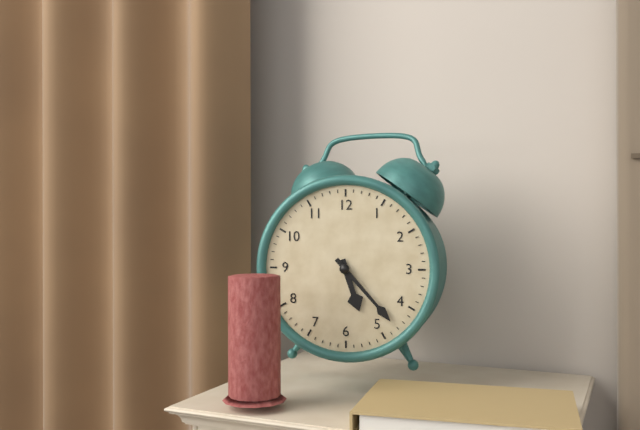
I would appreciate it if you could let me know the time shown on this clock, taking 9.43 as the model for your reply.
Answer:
5.23
